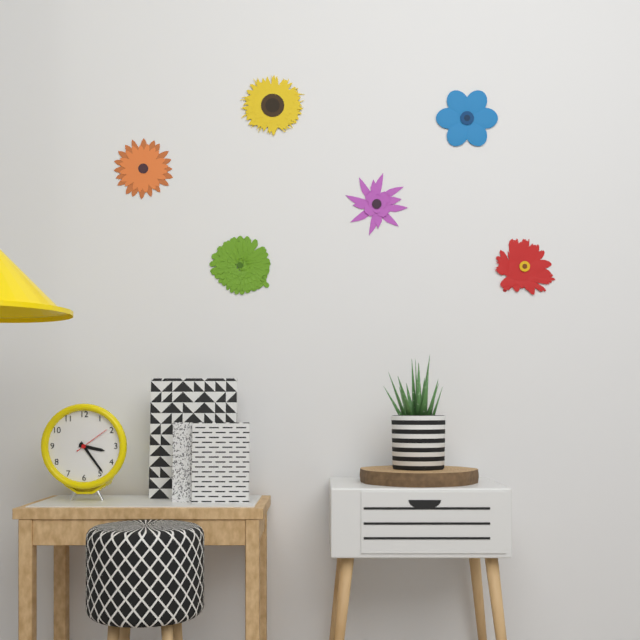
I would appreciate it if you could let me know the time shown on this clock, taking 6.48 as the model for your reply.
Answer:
3.24
